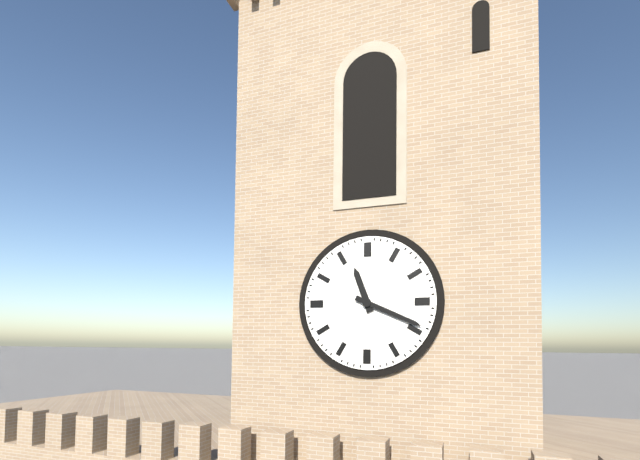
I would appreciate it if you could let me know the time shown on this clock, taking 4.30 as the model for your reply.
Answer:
11.19
